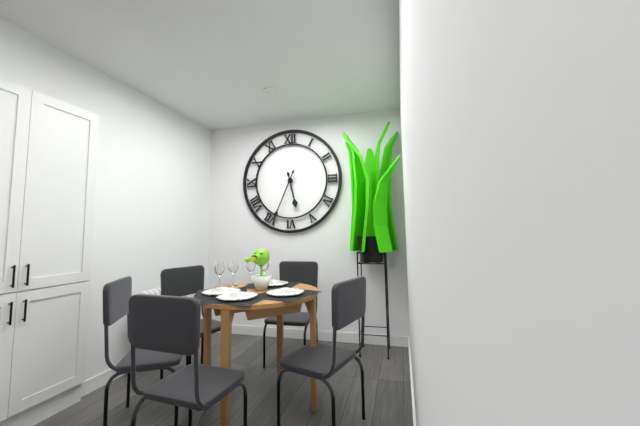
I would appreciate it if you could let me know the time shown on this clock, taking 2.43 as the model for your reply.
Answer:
5.34
